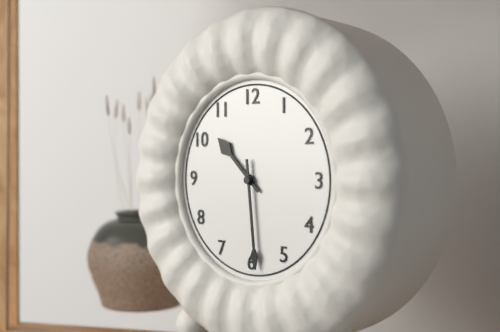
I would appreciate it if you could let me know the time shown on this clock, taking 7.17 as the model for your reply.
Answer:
10.29
